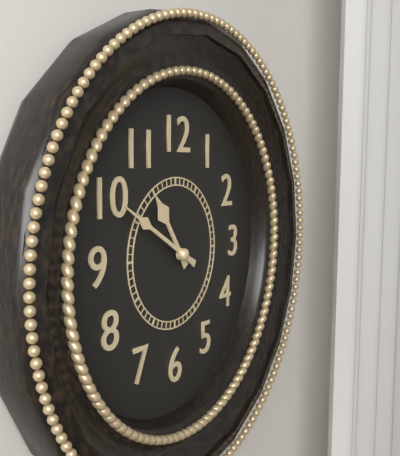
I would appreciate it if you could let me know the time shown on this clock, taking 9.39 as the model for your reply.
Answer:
10.50
